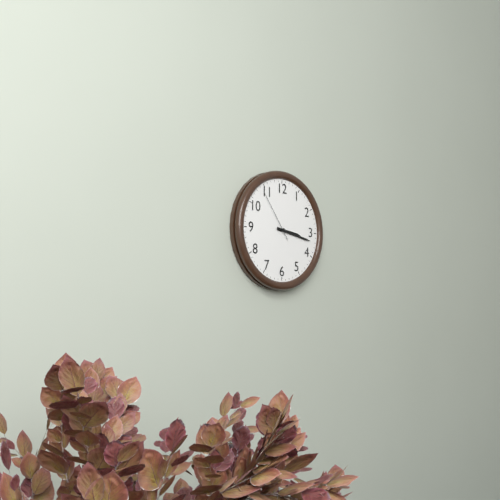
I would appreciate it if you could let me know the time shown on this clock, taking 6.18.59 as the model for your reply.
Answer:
3.17.54
